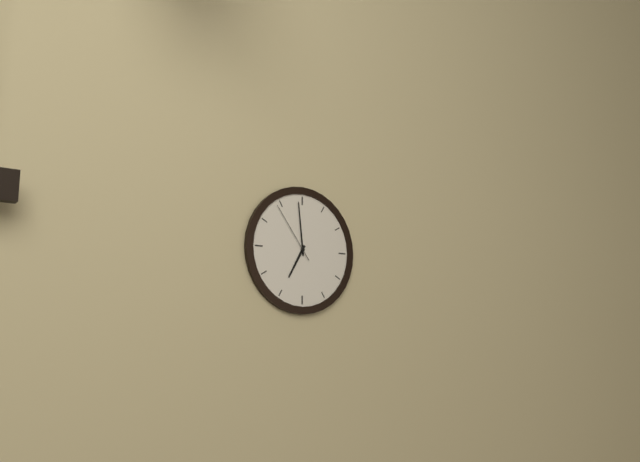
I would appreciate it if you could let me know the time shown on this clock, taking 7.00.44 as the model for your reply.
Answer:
6.59.54
